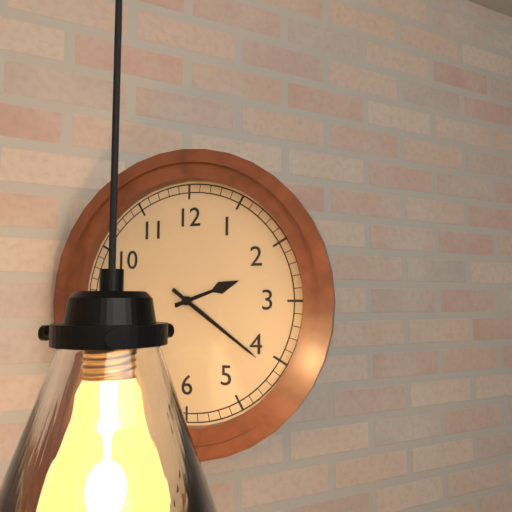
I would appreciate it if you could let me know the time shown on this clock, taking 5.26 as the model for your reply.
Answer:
2.21
